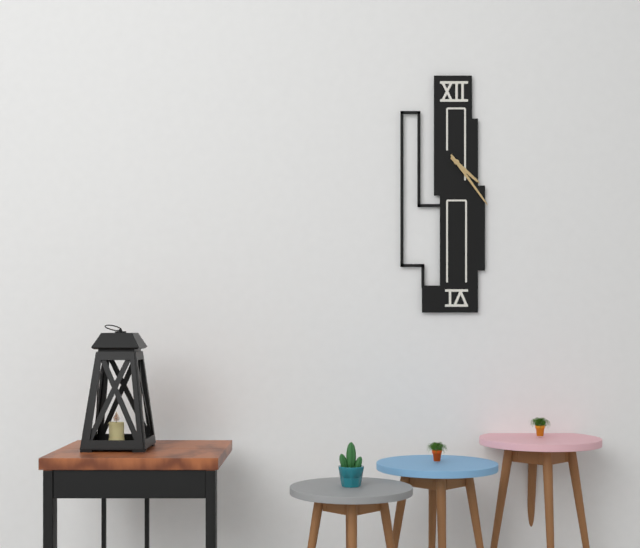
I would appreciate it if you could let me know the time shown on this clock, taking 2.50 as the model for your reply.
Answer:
4.24
